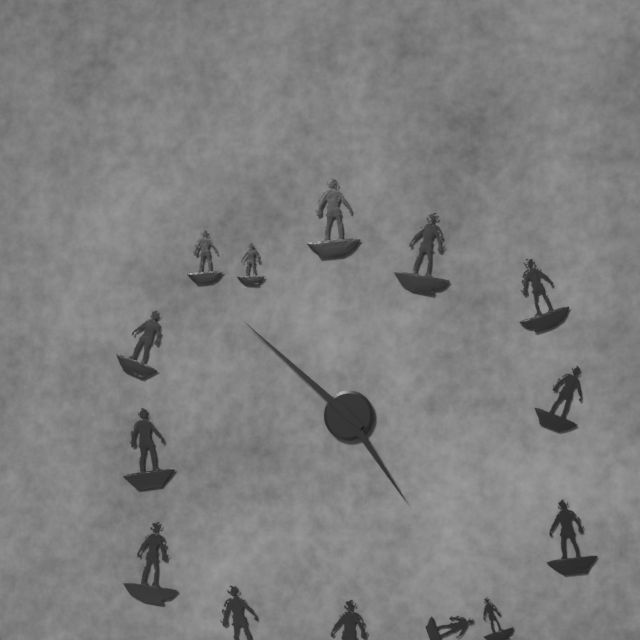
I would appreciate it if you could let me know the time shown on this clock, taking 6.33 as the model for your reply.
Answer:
4.52
